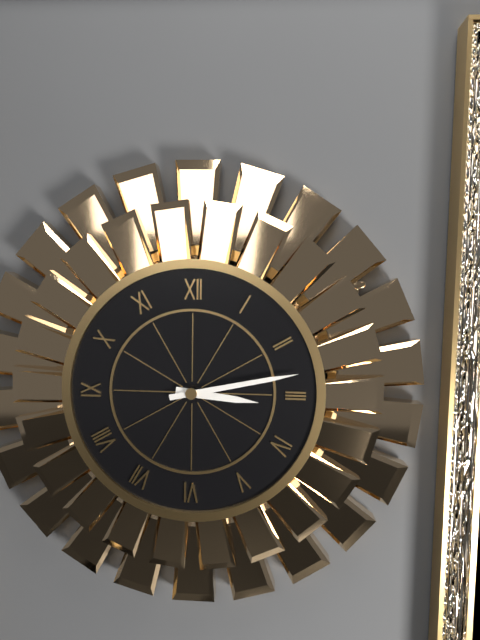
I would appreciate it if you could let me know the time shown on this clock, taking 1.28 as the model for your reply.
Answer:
3.13
